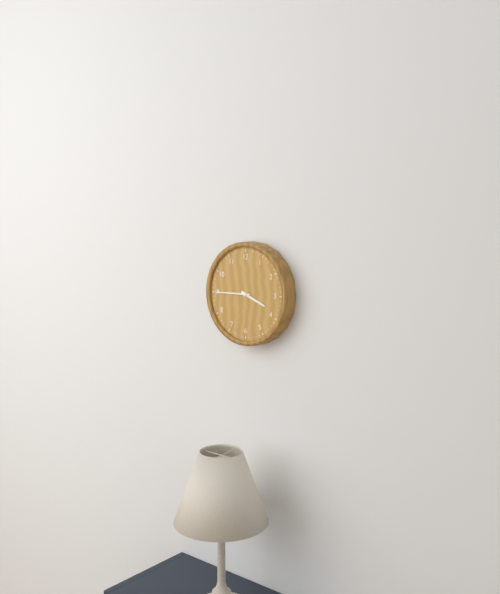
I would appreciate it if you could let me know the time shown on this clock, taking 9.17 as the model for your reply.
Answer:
3.45
